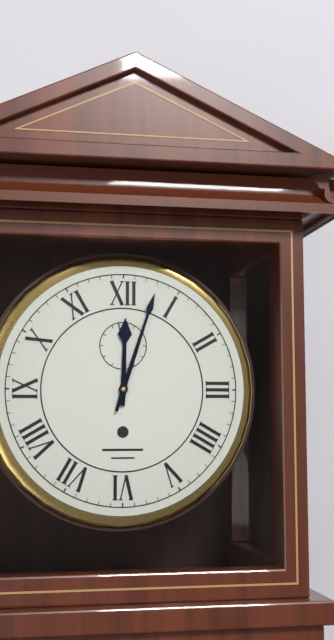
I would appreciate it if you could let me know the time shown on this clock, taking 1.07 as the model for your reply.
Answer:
12.03
